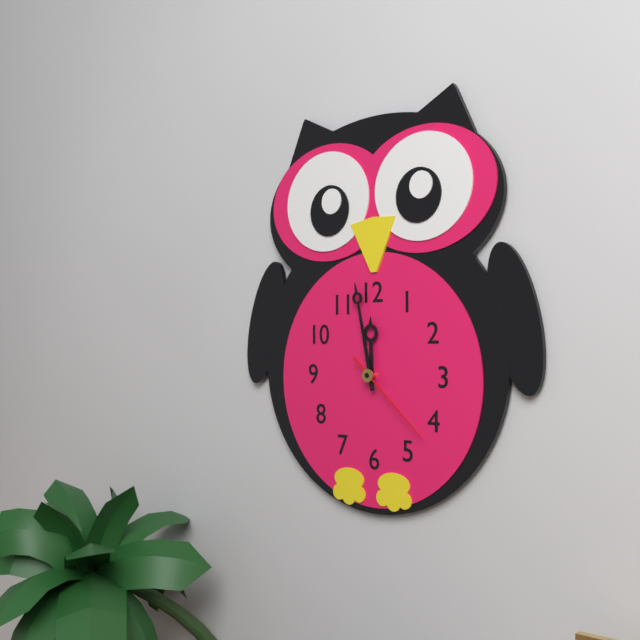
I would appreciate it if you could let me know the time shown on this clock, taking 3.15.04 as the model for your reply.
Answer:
11.58.22
